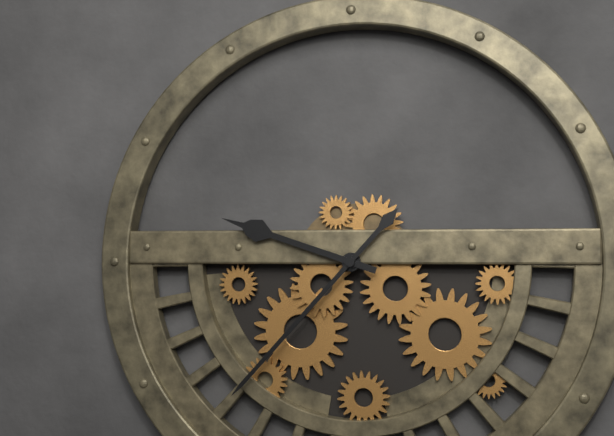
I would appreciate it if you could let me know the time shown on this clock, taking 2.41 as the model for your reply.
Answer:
9.37
